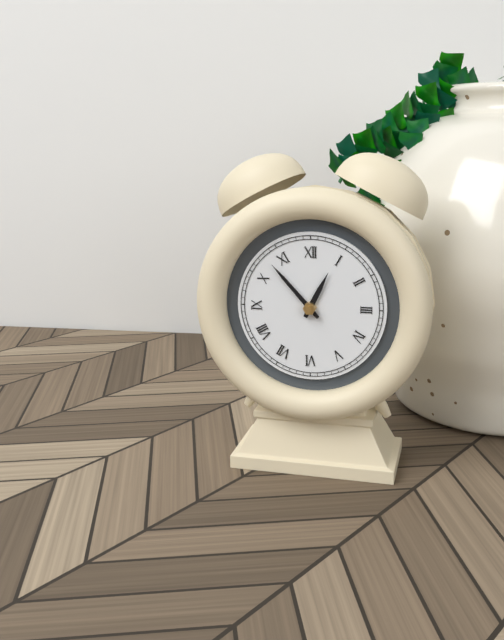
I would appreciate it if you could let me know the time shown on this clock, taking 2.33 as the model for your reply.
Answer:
12.53
